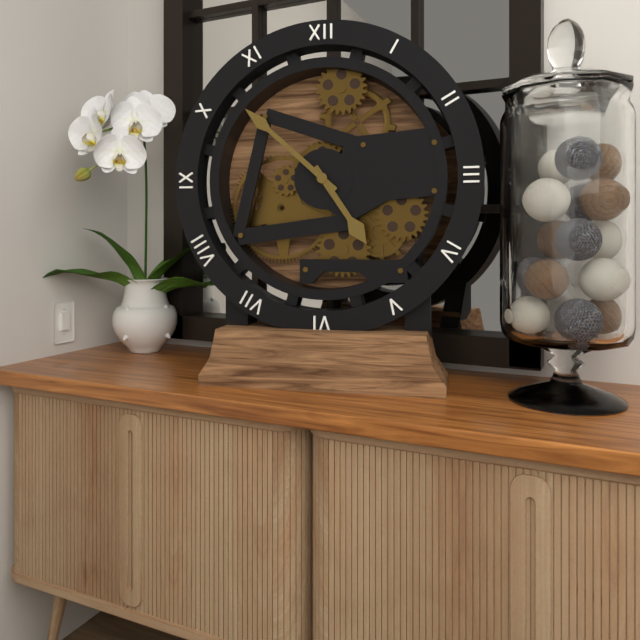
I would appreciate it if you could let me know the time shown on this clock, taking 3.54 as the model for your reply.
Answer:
4.52
